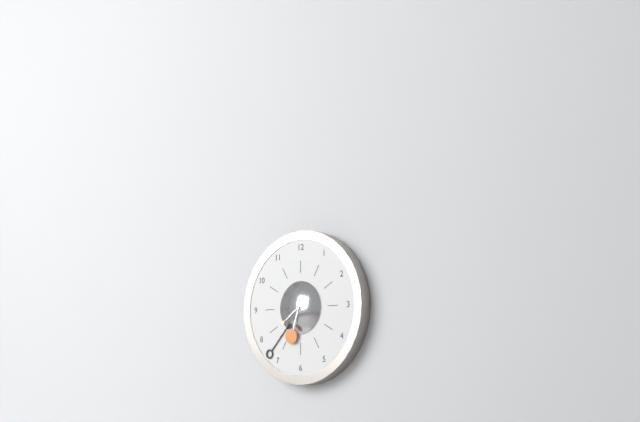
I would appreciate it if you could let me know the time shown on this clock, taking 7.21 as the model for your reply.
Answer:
6.37
